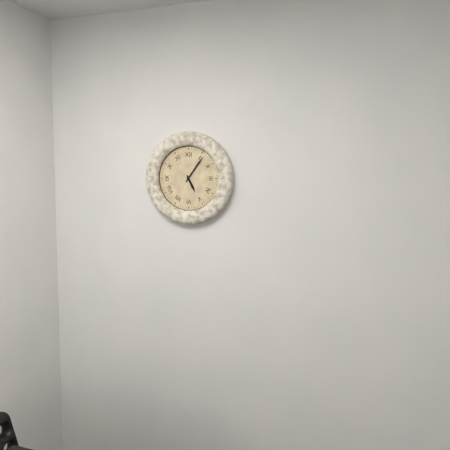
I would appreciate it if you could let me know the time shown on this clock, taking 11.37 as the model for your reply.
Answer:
5.06
